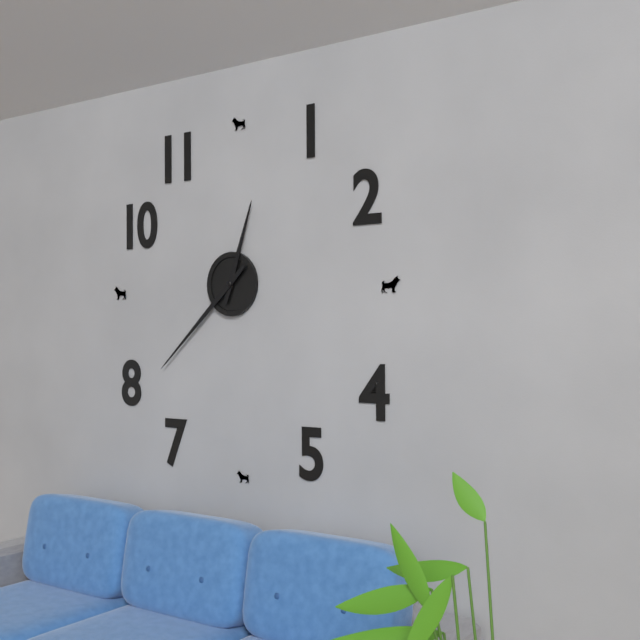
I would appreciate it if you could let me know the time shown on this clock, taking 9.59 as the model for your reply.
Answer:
12.38
